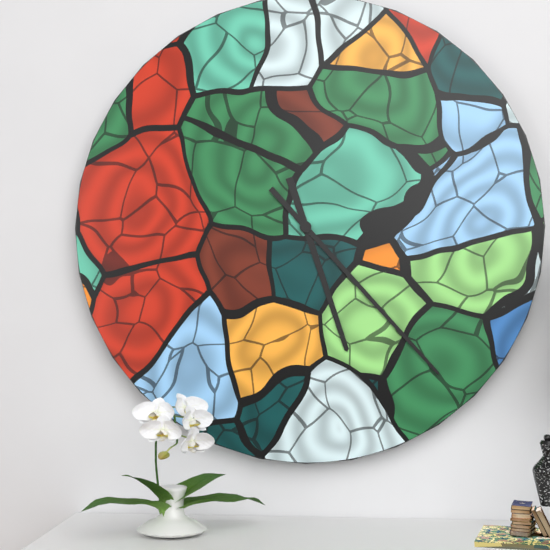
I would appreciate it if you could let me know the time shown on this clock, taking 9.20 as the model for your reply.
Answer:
5.23
